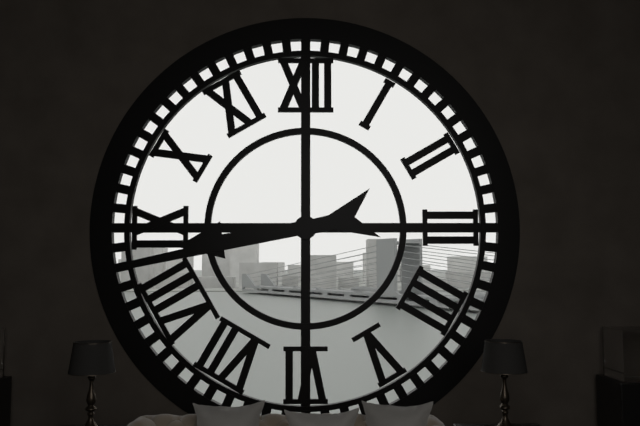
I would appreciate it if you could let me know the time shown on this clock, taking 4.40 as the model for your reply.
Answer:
8.43
